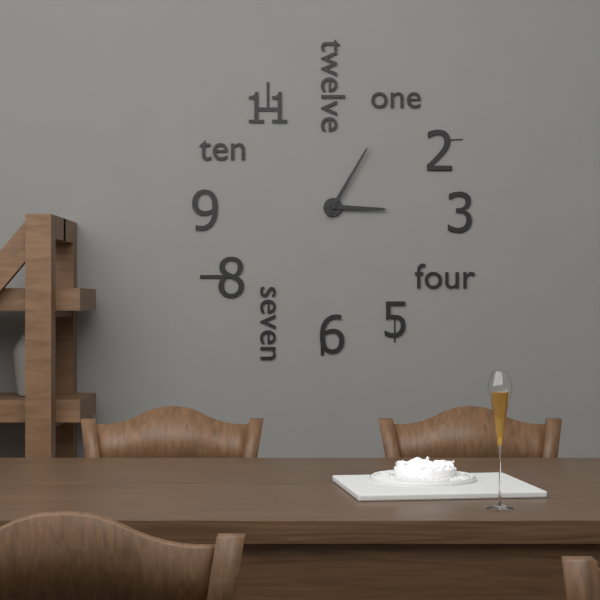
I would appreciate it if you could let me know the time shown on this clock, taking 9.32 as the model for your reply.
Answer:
3.05
